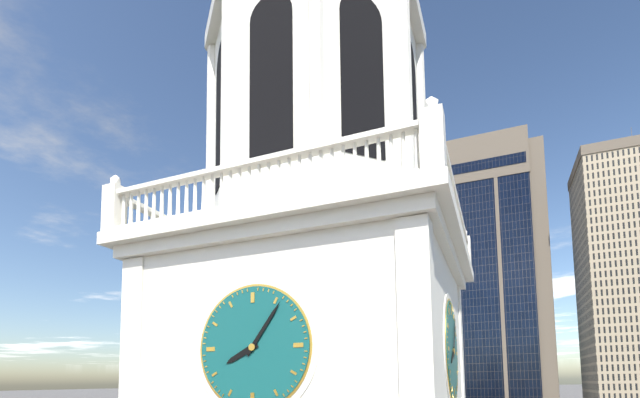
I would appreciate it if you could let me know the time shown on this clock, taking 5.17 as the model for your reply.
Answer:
8.06
